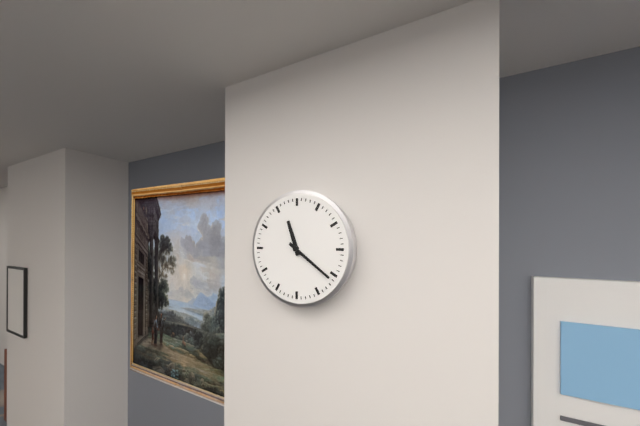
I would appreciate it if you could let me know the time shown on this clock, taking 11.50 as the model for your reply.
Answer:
11.21
